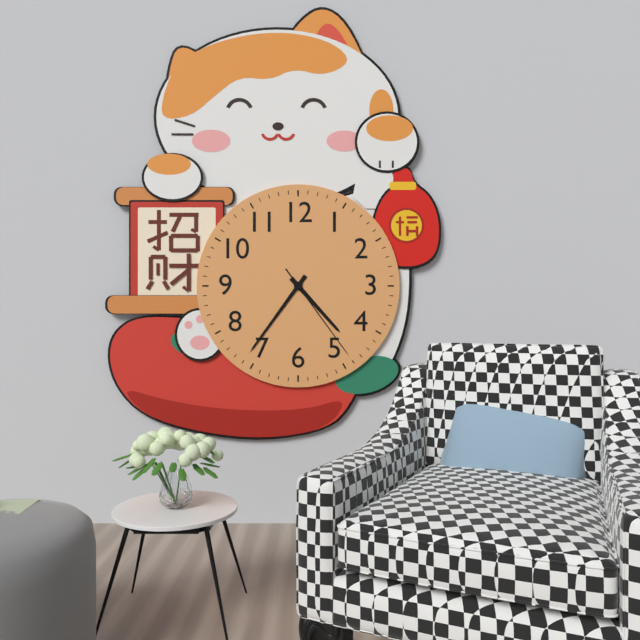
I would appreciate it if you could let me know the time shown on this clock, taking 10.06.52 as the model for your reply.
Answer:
4.36.24
